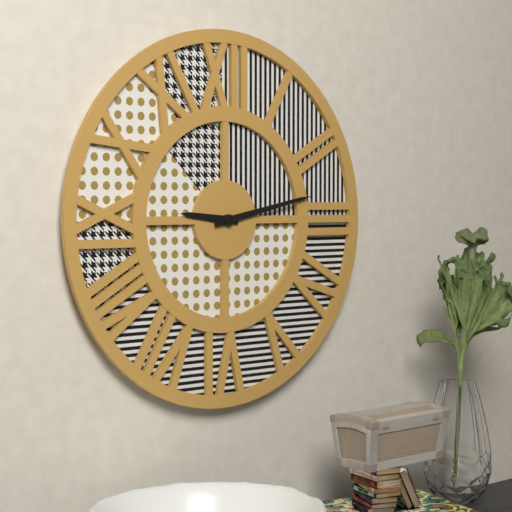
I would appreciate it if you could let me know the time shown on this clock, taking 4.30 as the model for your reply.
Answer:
9.13
